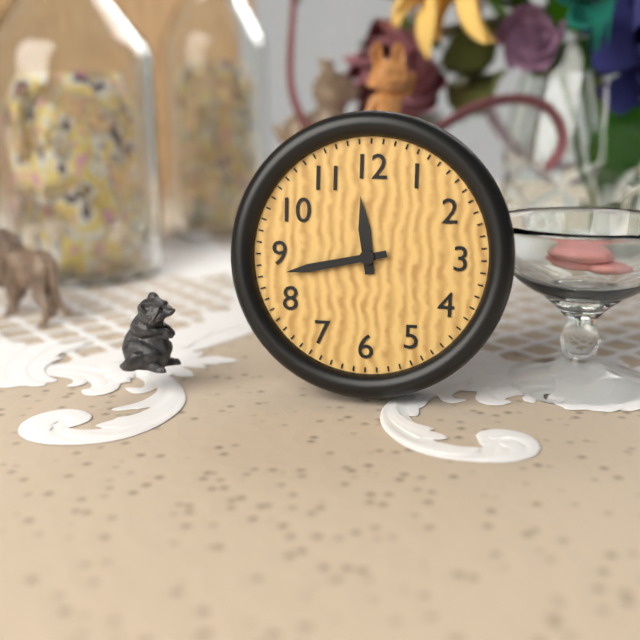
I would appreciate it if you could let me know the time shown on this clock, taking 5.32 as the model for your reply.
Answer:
11.43
